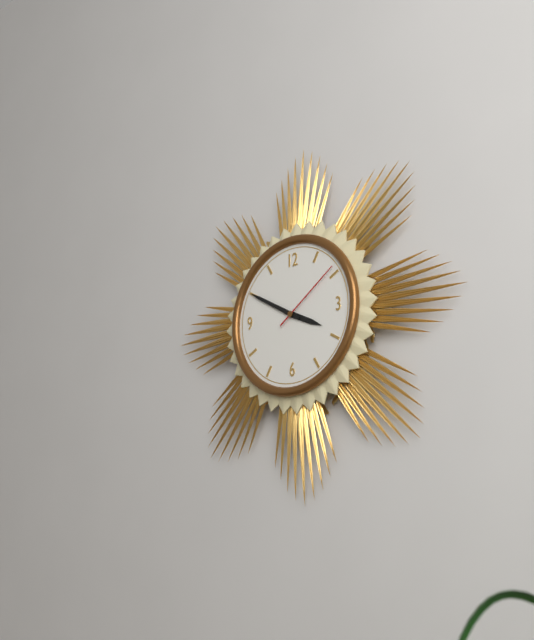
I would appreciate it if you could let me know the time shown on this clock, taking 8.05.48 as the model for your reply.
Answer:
3.50.09
